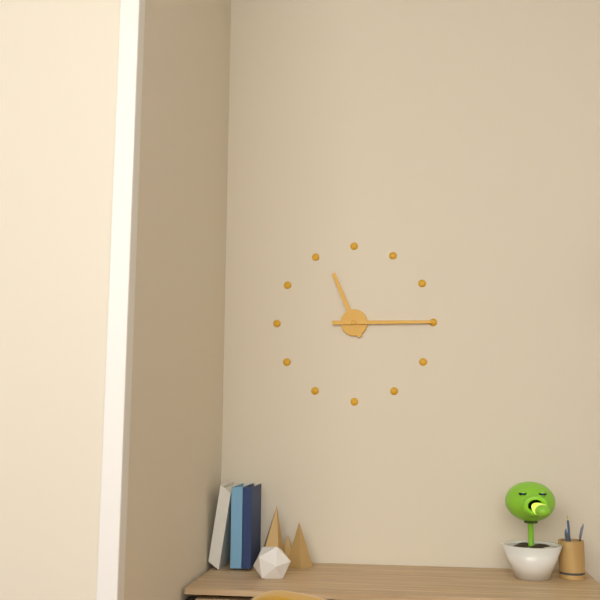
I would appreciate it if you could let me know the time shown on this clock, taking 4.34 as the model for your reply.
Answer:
11.15
